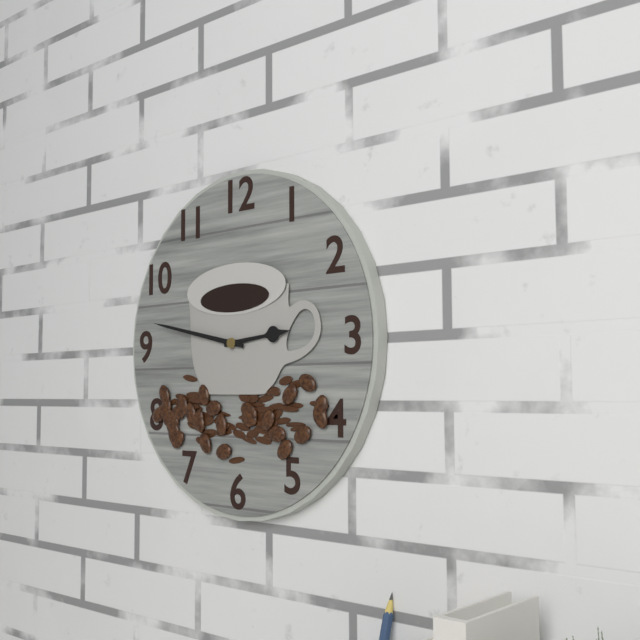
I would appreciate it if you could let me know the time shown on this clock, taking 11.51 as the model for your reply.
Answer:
2.47
